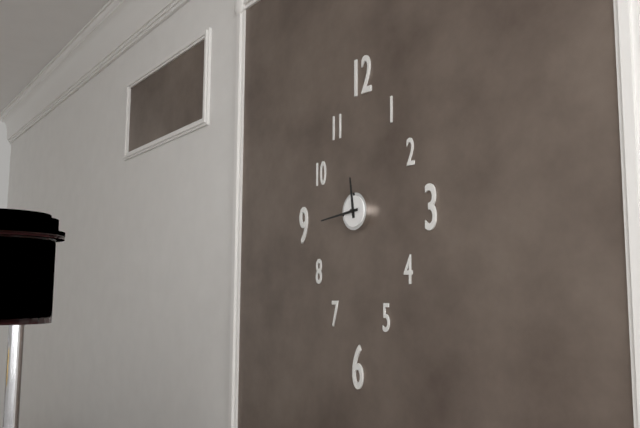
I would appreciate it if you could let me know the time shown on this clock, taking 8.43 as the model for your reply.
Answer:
11.44
